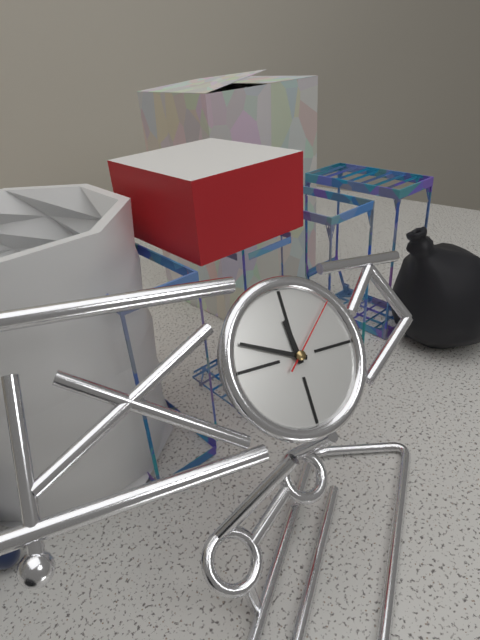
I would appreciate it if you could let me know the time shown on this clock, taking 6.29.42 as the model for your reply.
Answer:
11.49.08
